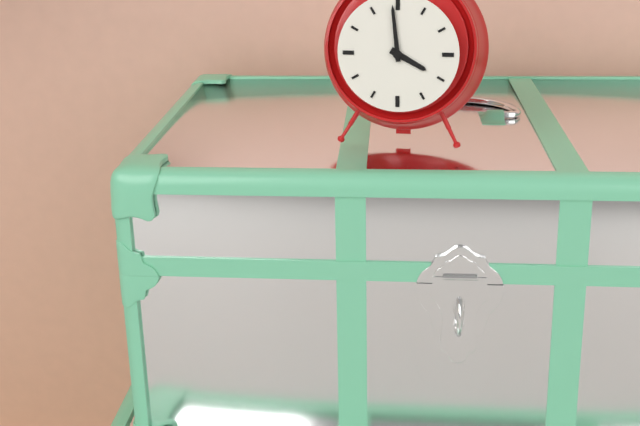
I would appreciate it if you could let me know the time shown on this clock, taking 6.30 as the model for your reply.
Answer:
3.59
